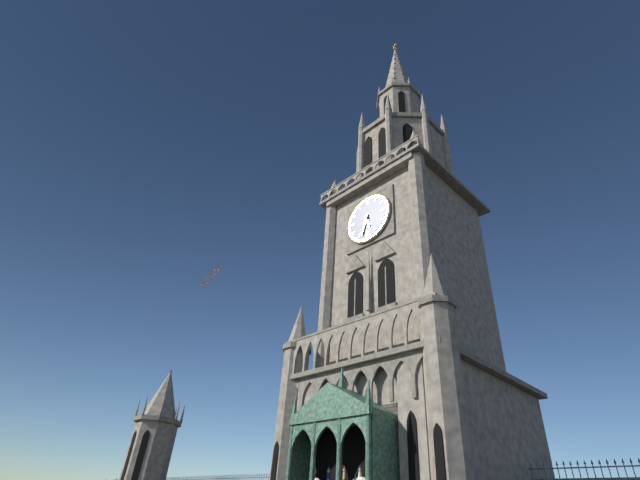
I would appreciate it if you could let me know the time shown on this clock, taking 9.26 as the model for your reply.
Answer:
5.33
